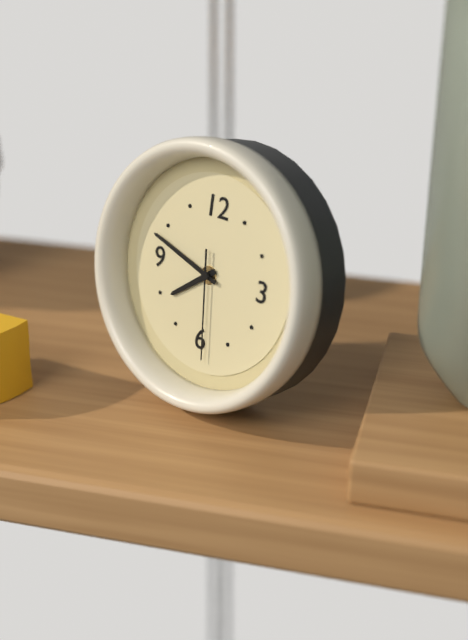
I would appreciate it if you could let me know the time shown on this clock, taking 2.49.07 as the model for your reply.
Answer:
7.48.29
